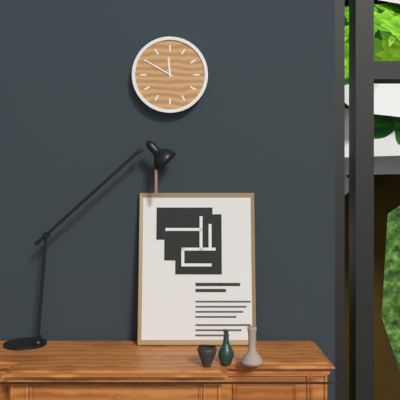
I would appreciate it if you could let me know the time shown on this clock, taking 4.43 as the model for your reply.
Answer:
11.50
